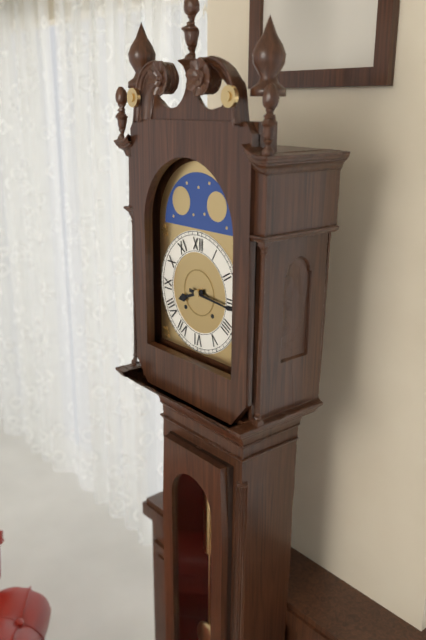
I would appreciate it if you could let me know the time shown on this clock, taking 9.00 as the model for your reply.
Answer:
8.16
